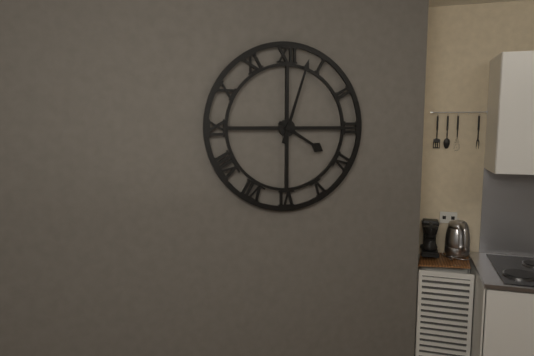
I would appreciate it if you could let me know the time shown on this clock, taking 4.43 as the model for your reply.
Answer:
4.03
